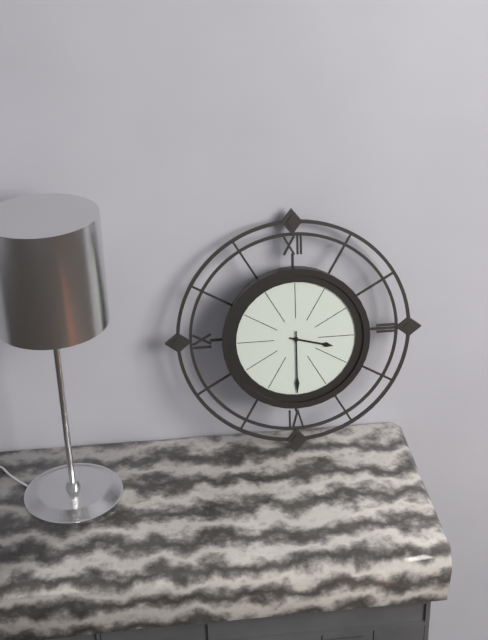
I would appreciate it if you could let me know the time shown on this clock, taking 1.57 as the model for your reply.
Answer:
3.30
